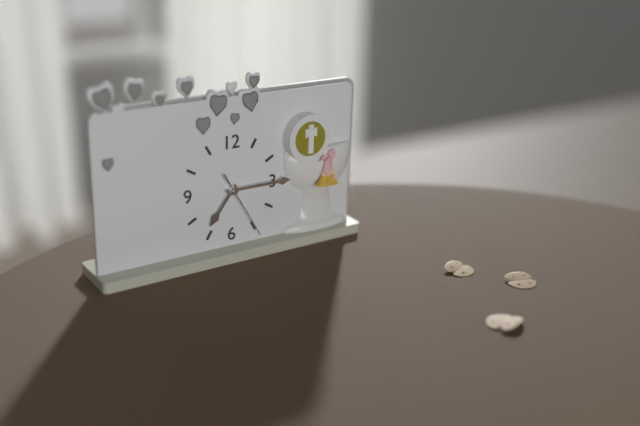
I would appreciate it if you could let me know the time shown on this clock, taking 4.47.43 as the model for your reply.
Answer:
7.15.25
